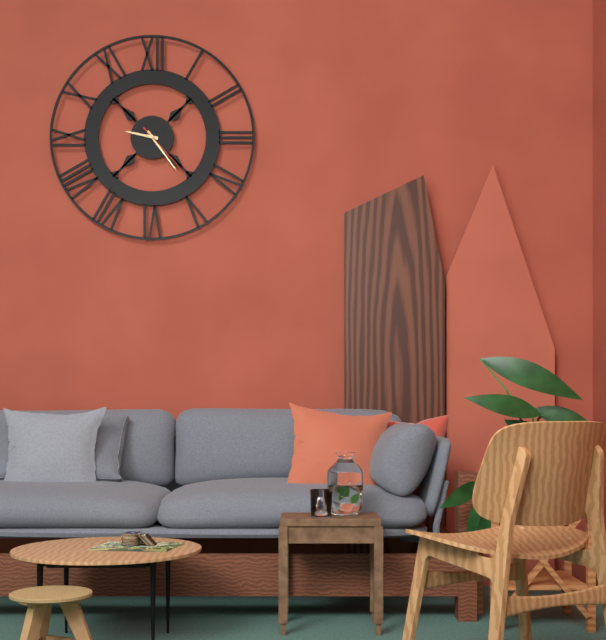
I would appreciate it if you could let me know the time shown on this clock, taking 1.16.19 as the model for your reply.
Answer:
9.24.23
